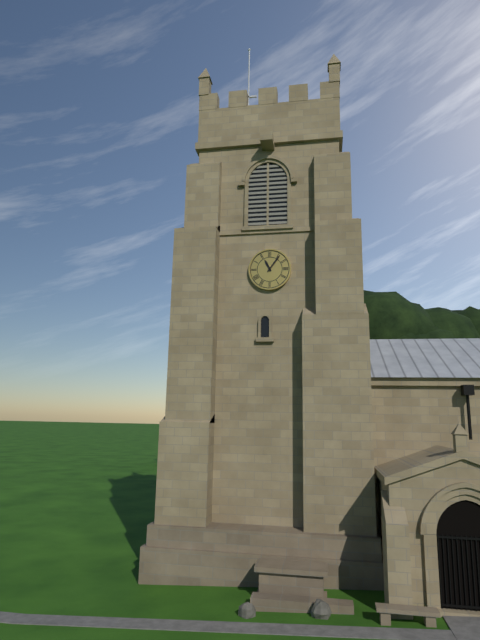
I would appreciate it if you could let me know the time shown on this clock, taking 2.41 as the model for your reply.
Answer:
11.06
